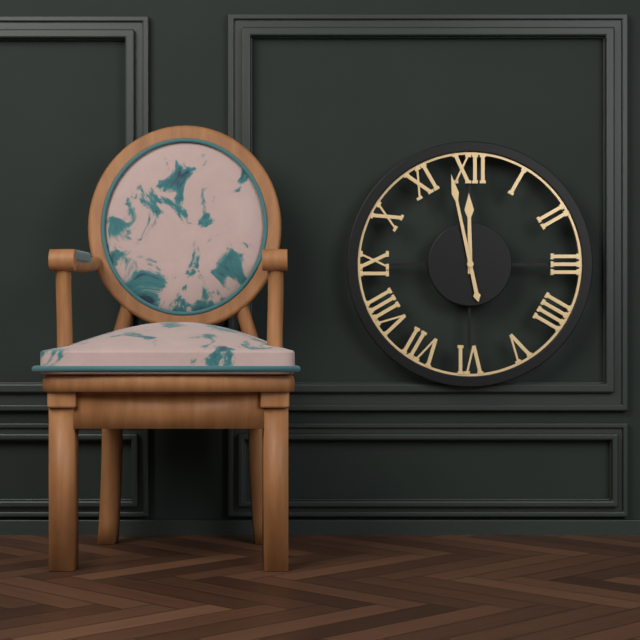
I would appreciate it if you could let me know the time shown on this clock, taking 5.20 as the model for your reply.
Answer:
11.58
